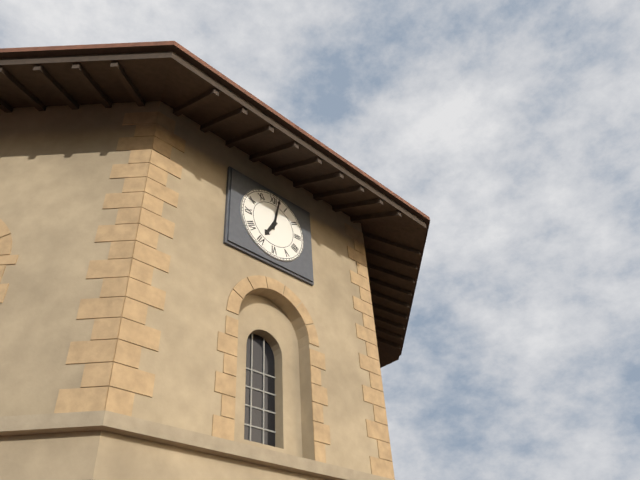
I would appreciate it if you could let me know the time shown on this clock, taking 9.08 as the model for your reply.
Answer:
7.02
